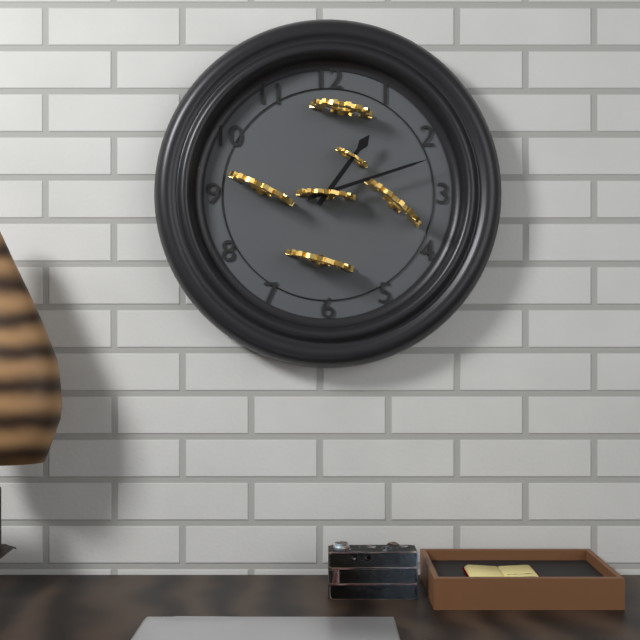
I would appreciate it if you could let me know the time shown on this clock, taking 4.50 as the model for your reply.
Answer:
1.12
